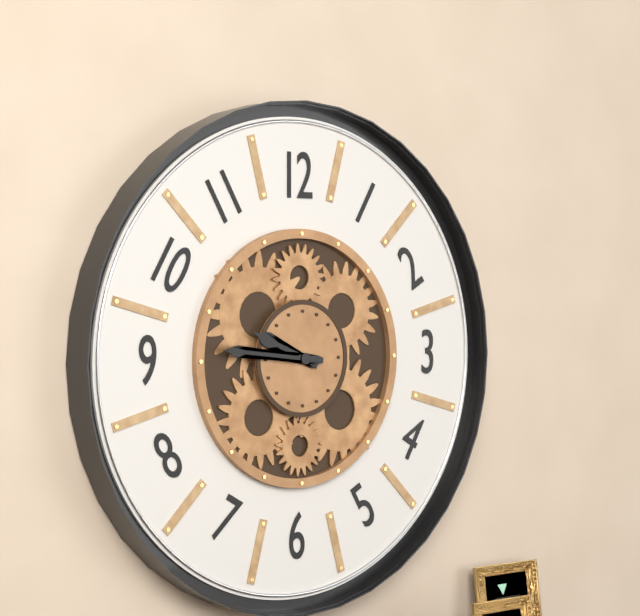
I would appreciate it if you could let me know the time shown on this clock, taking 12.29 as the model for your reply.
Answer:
9.46
